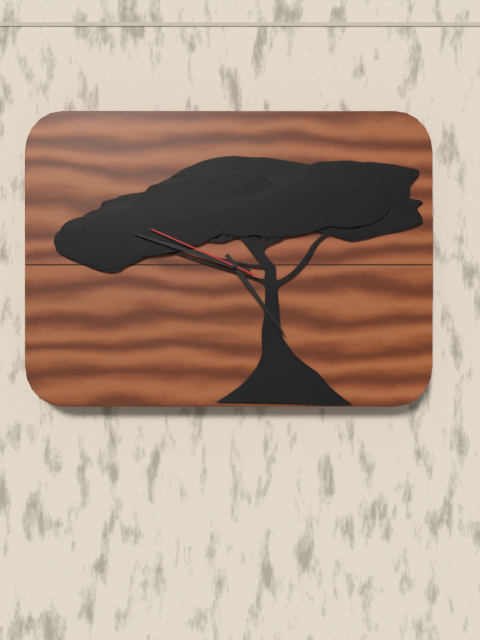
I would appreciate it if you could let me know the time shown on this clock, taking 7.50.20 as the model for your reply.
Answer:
4.48.49
